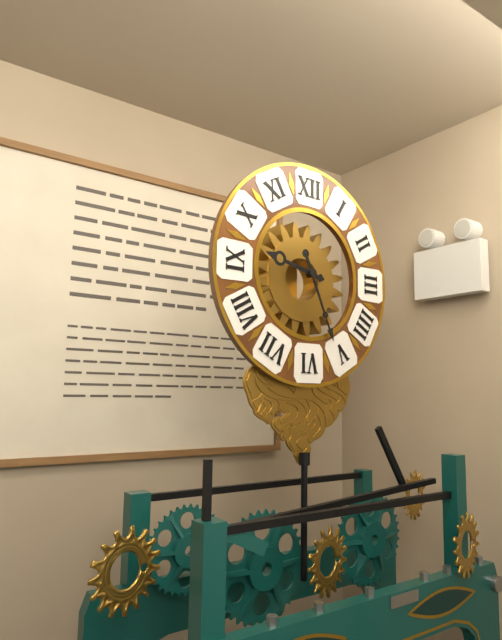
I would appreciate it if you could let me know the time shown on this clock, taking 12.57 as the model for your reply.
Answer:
9.26
